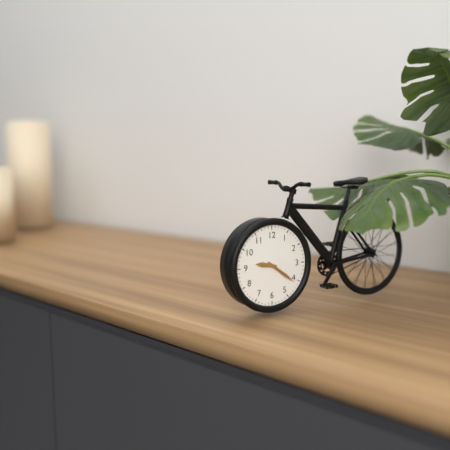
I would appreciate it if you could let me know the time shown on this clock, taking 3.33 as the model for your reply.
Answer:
9.21
